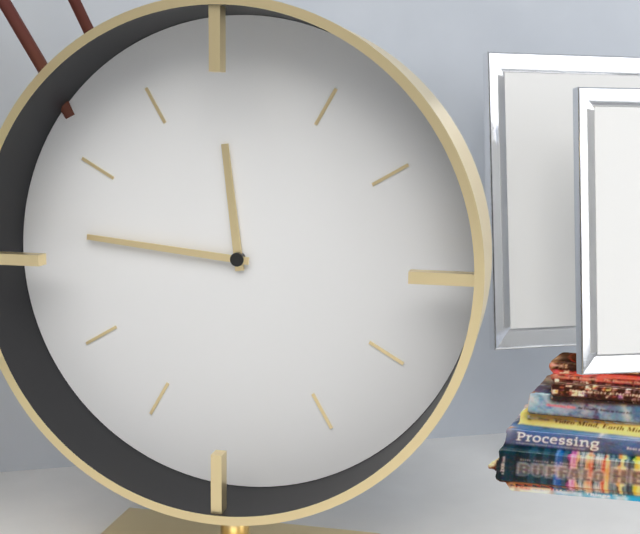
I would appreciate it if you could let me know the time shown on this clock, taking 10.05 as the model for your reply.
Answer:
11.46
